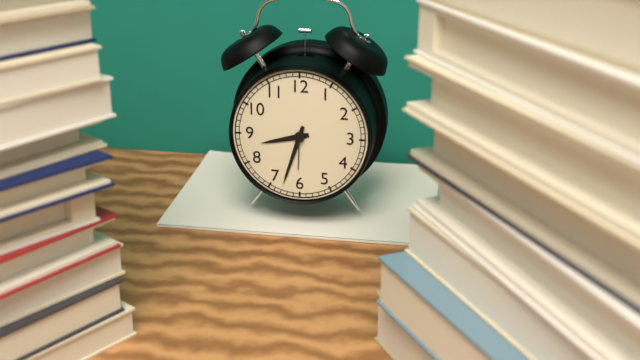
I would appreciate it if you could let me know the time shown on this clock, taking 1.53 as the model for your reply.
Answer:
8.33
